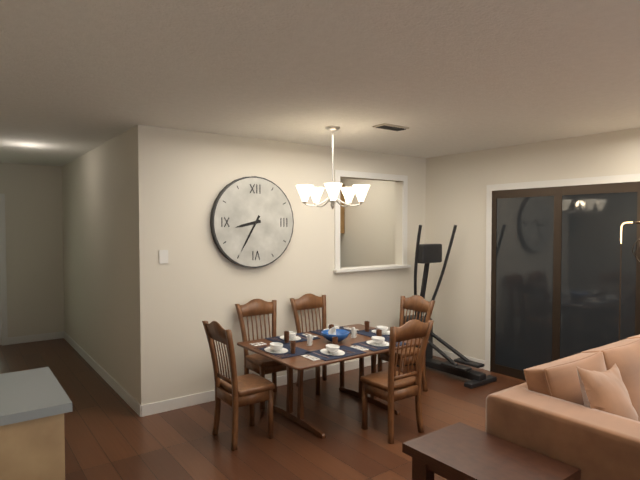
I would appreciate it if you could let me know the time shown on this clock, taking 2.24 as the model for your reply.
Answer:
8.35
